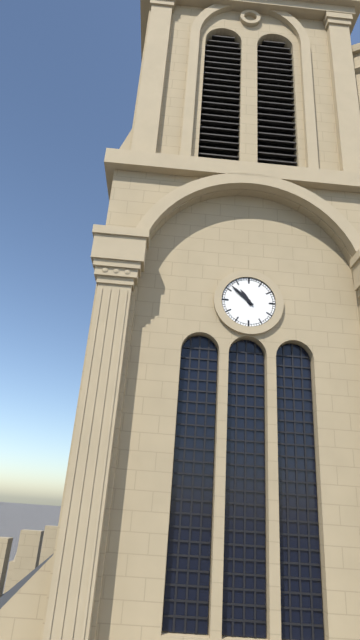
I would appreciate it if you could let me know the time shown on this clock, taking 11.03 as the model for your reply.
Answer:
10.52
